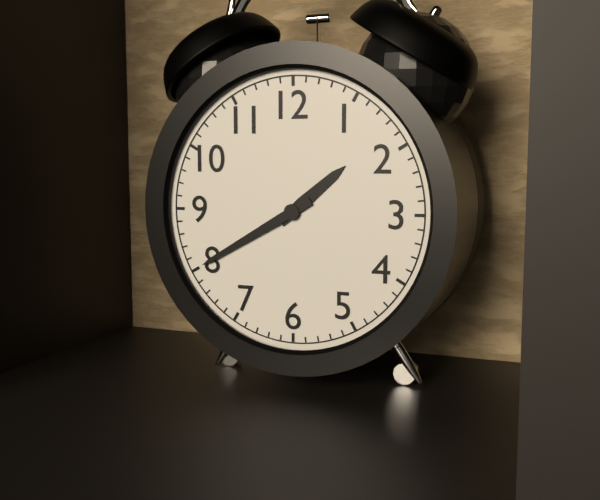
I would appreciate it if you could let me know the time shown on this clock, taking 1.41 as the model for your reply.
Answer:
1.40
